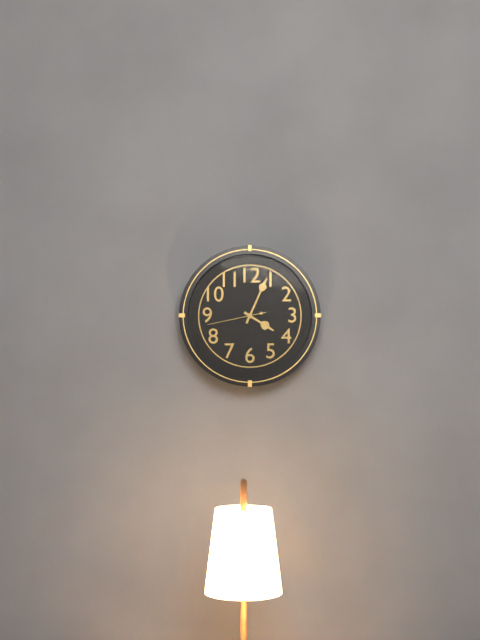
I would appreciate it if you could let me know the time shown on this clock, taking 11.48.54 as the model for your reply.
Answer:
4.04.43
